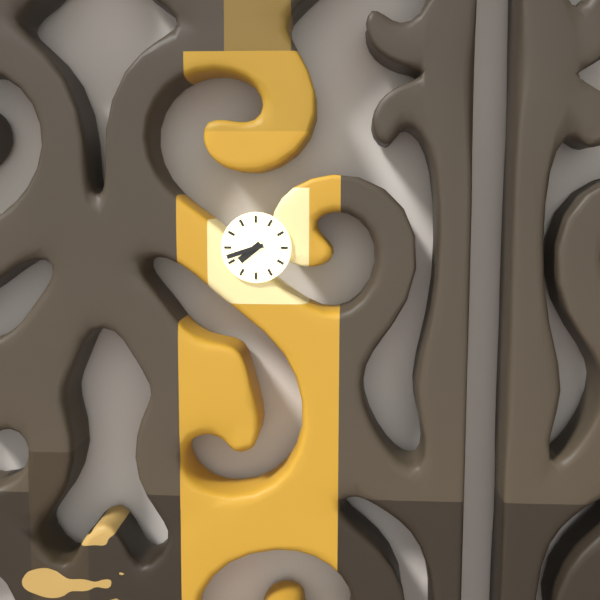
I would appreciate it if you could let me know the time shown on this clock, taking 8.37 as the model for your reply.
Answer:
7.42
